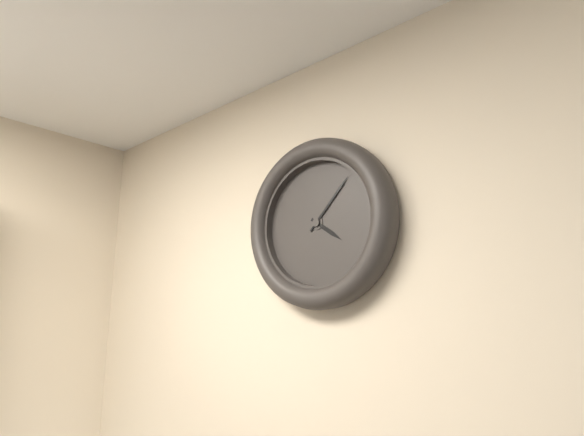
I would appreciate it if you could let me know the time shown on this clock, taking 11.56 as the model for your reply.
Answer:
4.07
